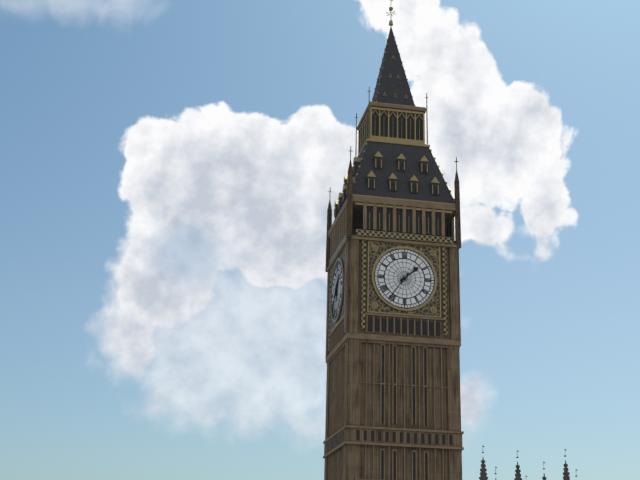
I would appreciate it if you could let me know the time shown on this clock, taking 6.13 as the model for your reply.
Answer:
1.36
